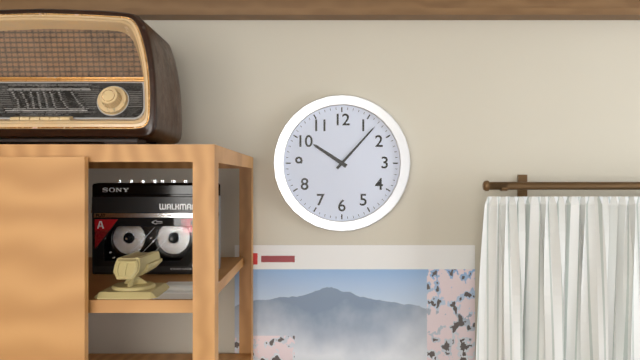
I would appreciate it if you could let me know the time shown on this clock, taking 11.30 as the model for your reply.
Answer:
10.07
